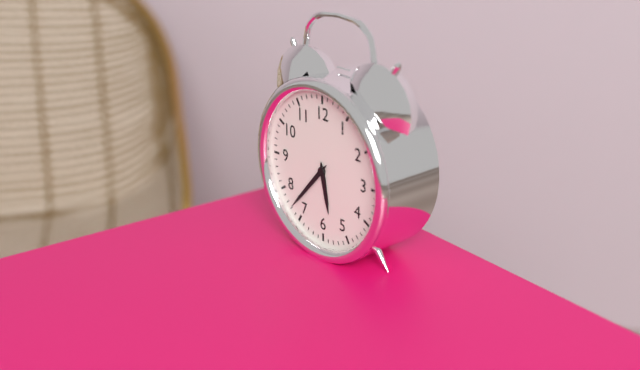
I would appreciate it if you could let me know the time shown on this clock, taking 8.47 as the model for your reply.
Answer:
5.37
